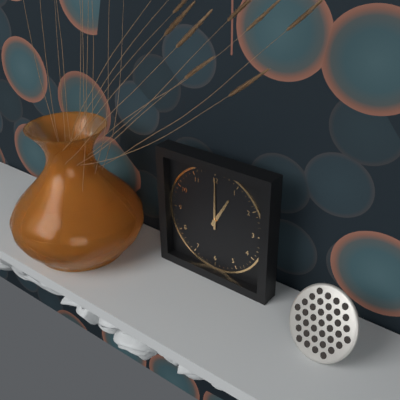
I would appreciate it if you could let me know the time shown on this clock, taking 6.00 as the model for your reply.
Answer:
1.00
